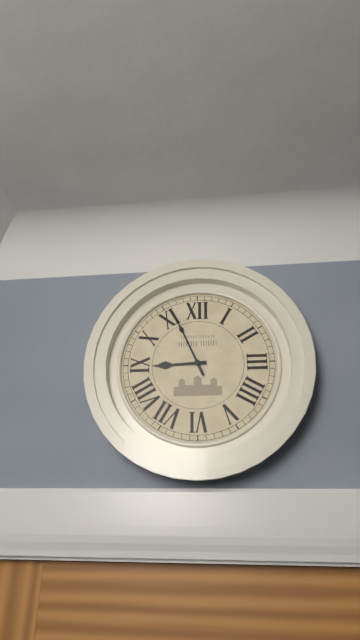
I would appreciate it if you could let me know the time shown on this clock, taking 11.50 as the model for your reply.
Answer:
8.56
